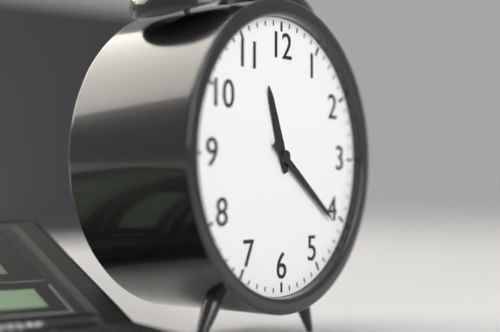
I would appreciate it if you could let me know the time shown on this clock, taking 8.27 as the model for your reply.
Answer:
11.21
